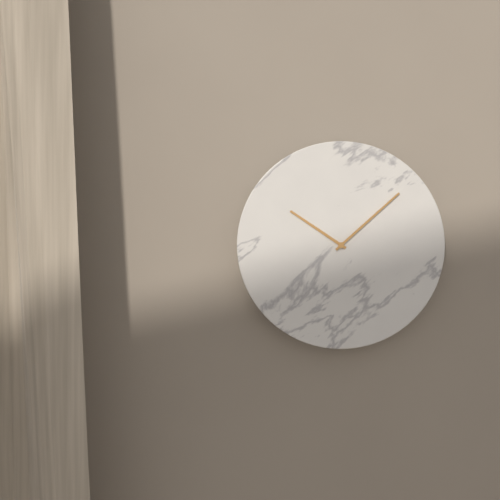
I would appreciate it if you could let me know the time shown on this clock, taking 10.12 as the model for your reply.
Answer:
10.08
